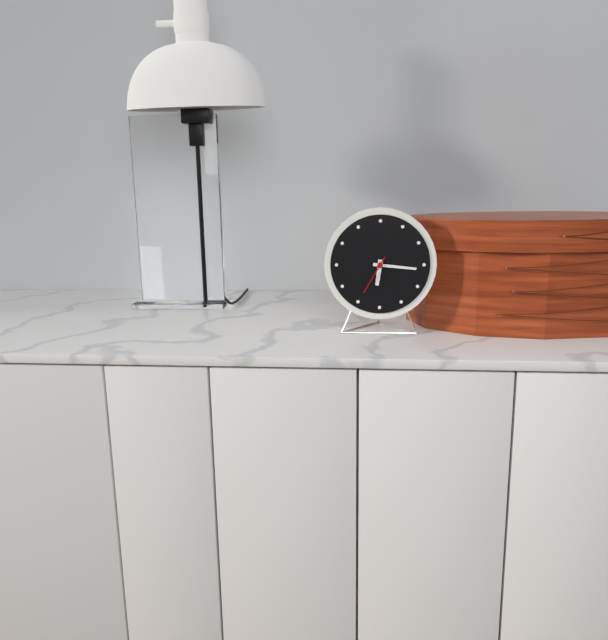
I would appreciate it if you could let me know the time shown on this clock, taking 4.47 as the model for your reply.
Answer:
6.16
